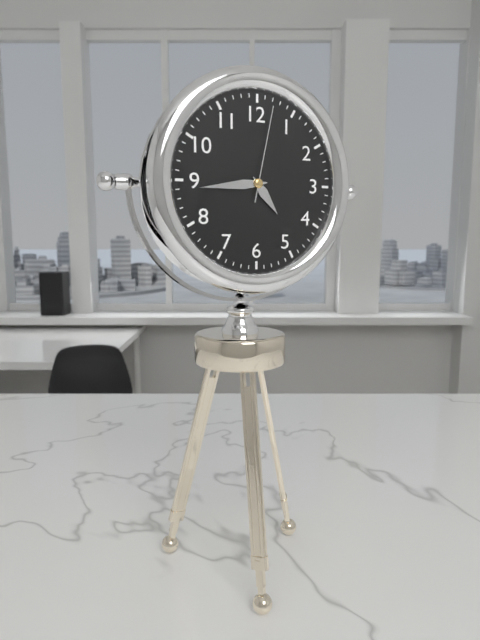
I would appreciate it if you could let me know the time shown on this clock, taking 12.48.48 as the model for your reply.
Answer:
4.44.02
